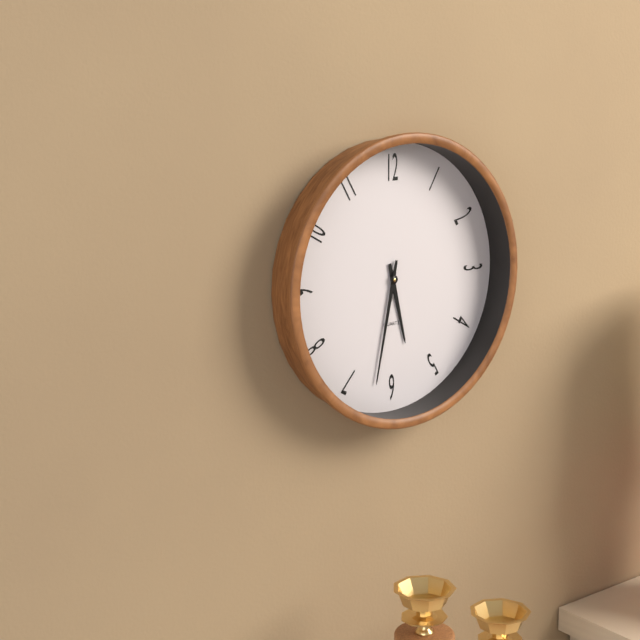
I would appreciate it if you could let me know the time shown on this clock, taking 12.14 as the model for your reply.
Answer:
5.32
